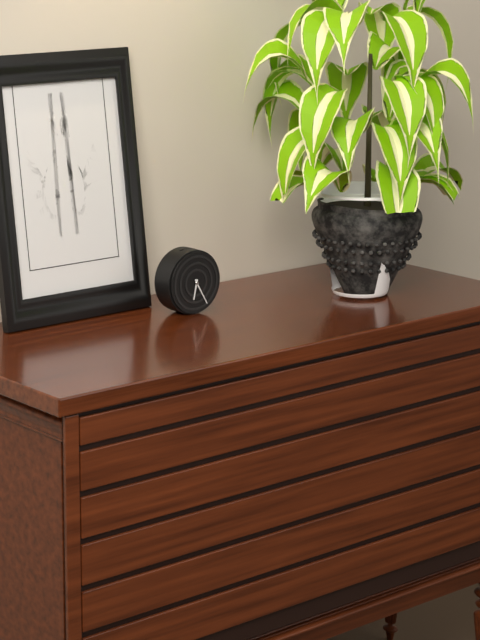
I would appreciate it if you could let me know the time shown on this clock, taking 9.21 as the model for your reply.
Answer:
6.25
